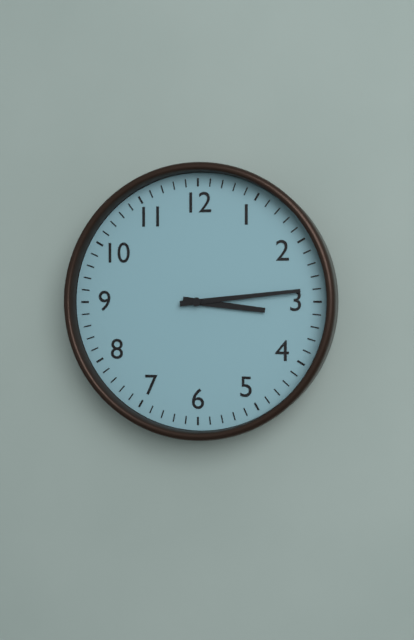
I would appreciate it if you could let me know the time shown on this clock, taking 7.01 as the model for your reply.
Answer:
3.14
